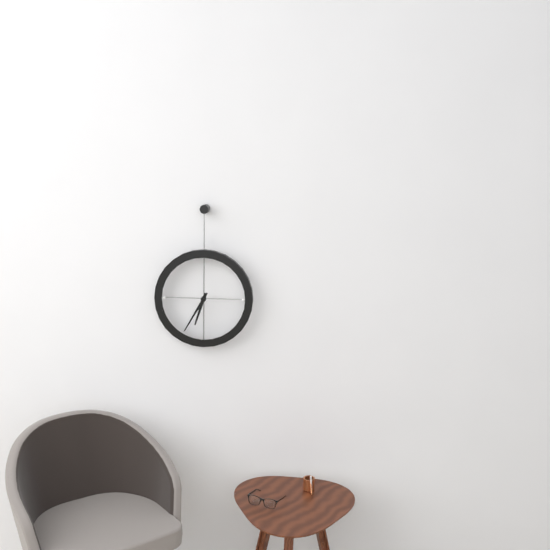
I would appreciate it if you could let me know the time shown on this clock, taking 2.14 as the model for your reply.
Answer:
6.35
